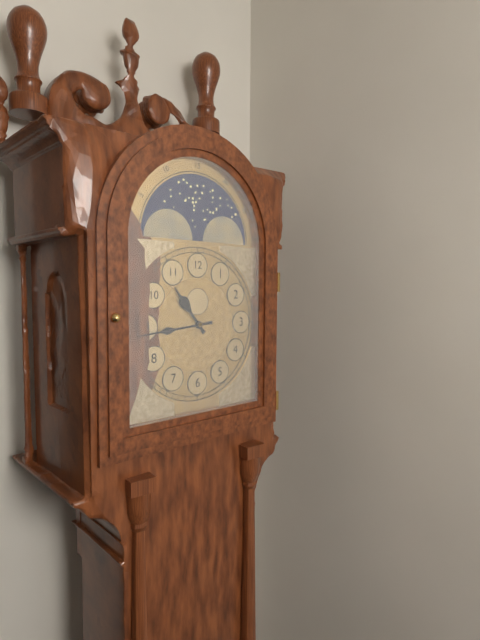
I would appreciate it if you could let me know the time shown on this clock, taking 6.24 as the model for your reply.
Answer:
10.44
